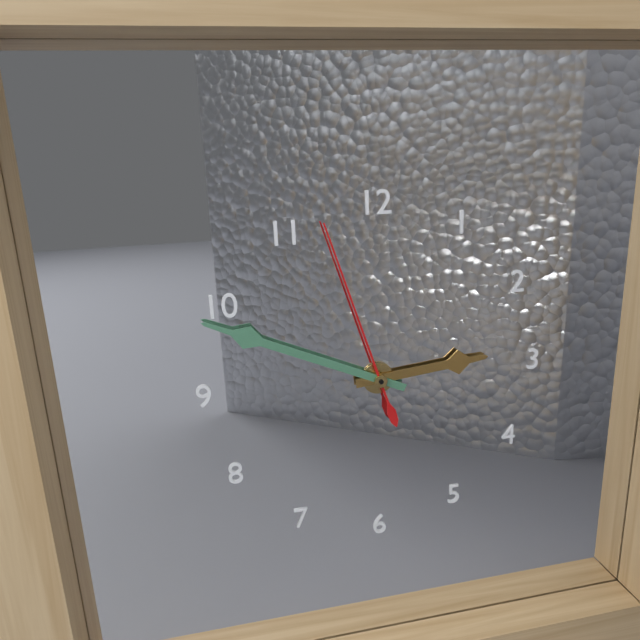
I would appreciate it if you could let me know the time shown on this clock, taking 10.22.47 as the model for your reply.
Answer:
2.49.57
